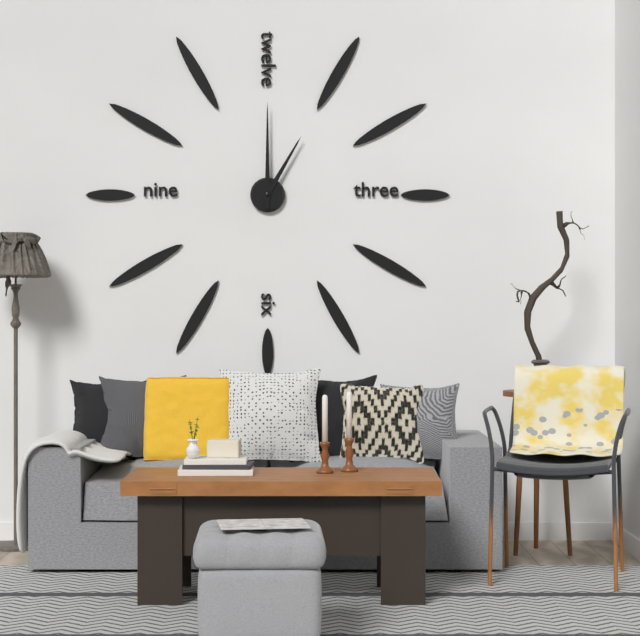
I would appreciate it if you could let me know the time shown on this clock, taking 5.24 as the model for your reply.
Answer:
1.00
